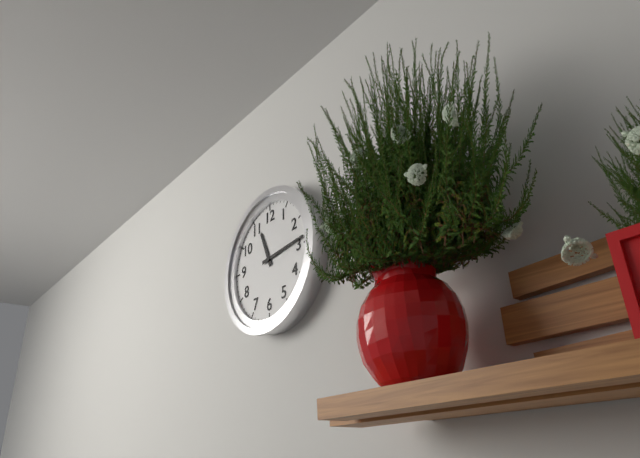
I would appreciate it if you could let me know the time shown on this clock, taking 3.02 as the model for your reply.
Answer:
11.14
